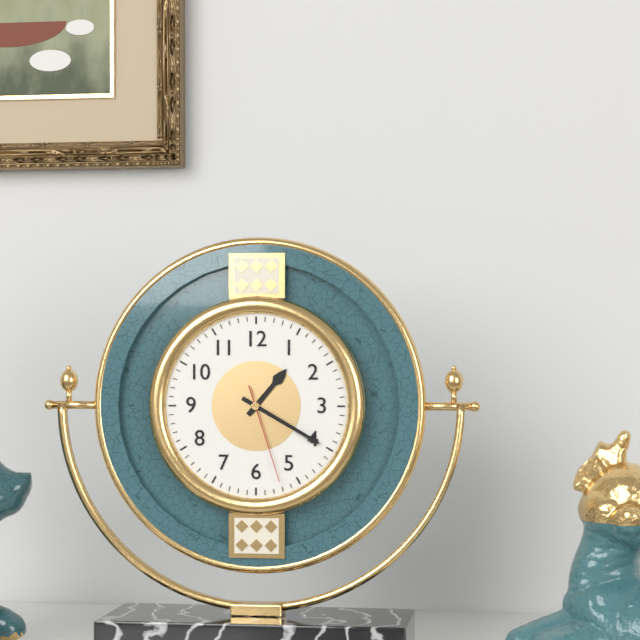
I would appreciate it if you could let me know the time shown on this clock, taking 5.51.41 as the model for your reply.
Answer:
1.20.27
